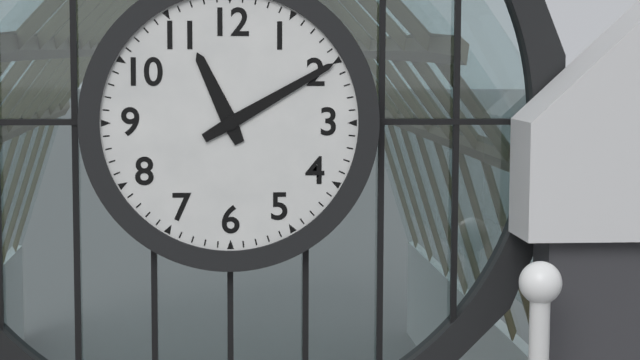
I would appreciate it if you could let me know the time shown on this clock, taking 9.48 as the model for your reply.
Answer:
11.10
